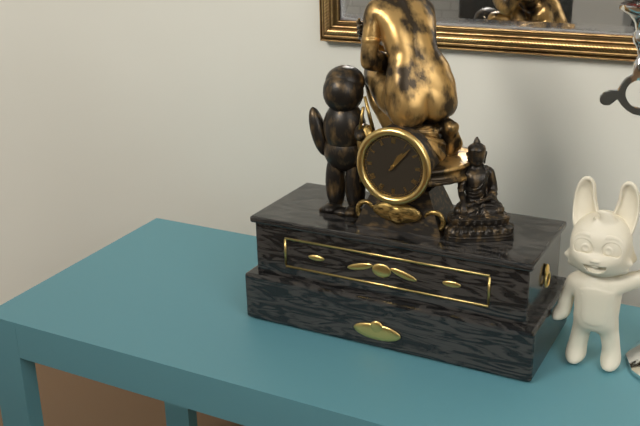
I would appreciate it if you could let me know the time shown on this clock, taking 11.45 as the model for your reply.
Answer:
1.07
